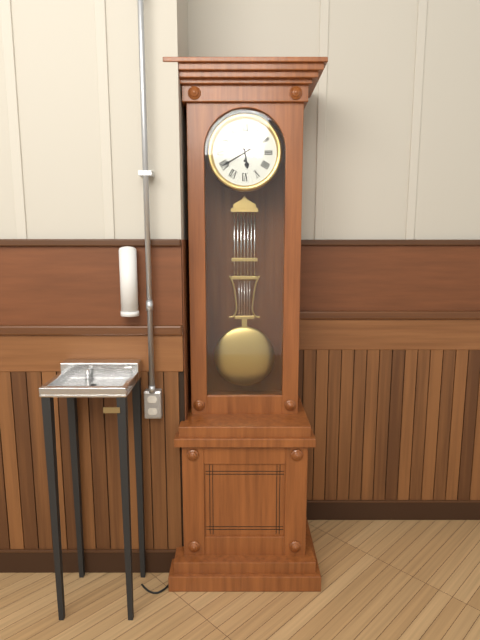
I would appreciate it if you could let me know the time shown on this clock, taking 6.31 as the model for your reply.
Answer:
5.40
